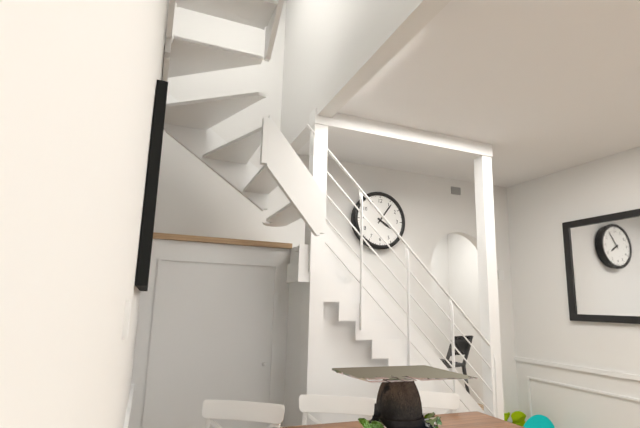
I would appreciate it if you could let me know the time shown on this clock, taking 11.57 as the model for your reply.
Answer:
4.06
